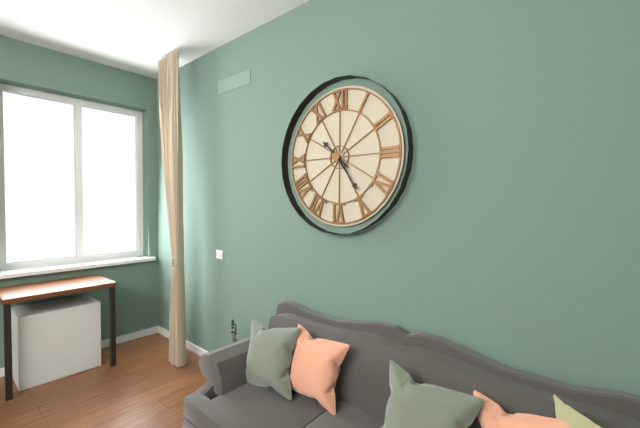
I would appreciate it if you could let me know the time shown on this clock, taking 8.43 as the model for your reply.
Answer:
10.24
